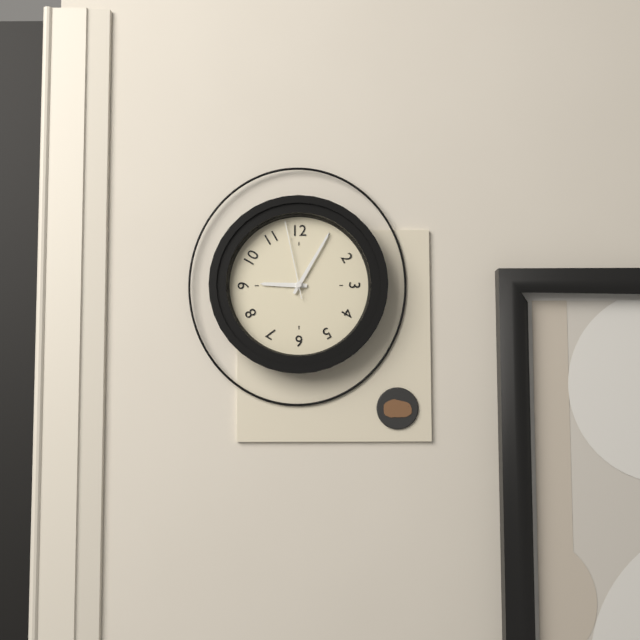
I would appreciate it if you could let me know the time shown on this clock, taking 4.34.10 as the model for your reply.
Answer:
9.05.58
